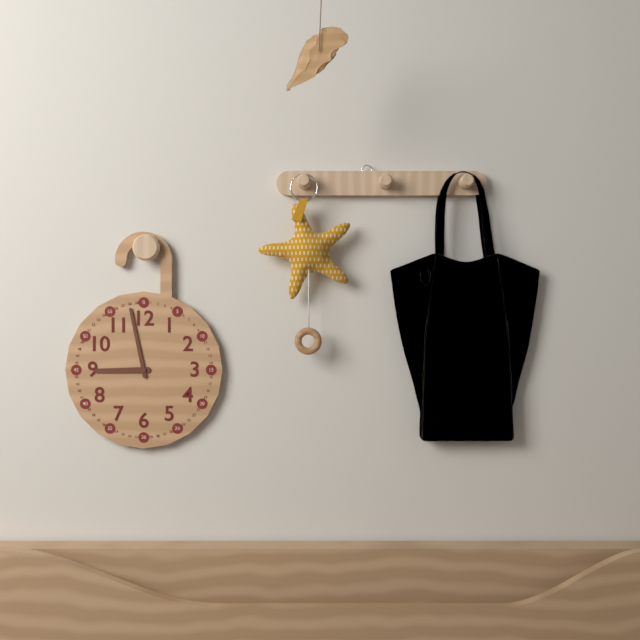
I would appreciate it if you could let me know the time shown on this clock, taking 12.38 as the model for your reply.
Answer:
8.58
